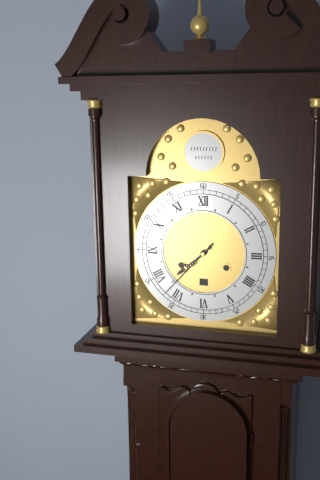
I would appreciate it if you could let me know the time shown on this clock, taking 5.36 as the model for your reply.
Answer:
7.37
